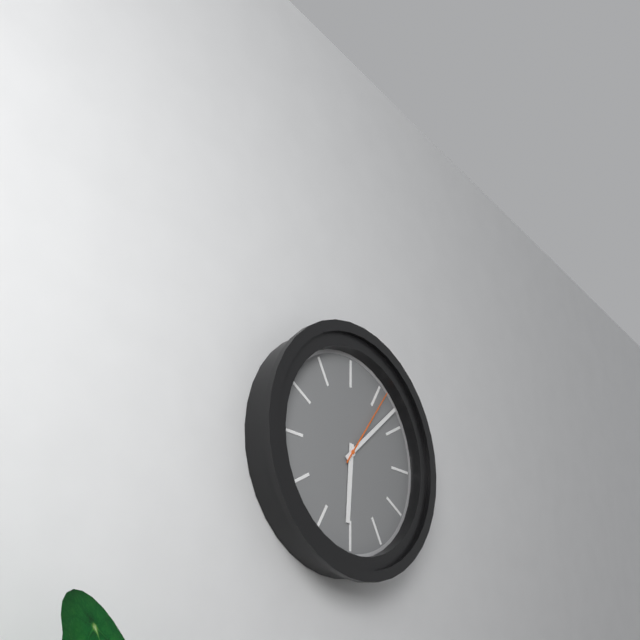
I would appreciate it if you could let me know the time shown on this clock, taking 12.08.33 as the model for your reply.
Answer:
6.08.06
